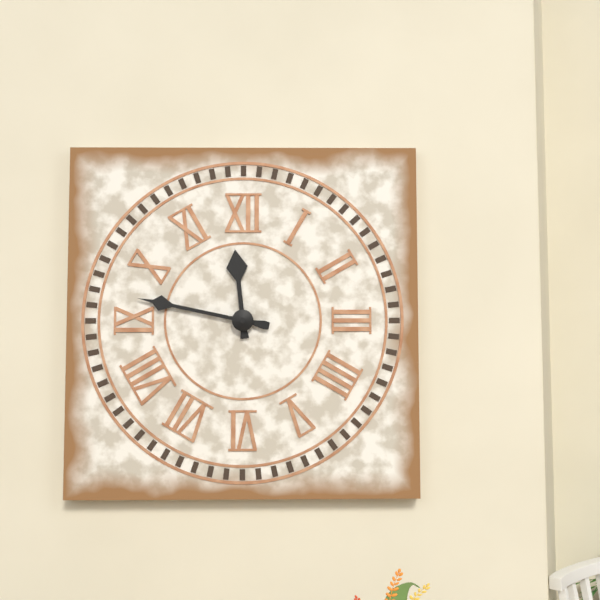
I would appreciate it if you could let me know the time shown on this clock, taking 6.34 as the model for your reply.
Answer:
11.47
